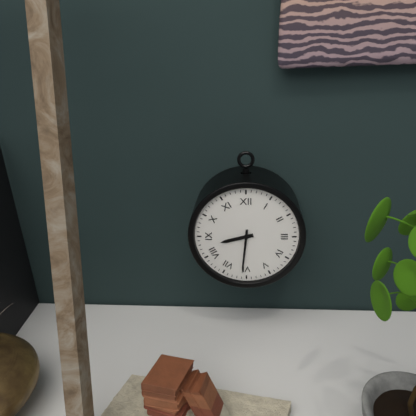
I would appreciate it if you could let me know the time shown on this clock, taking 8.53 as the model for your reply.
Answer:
8.31
